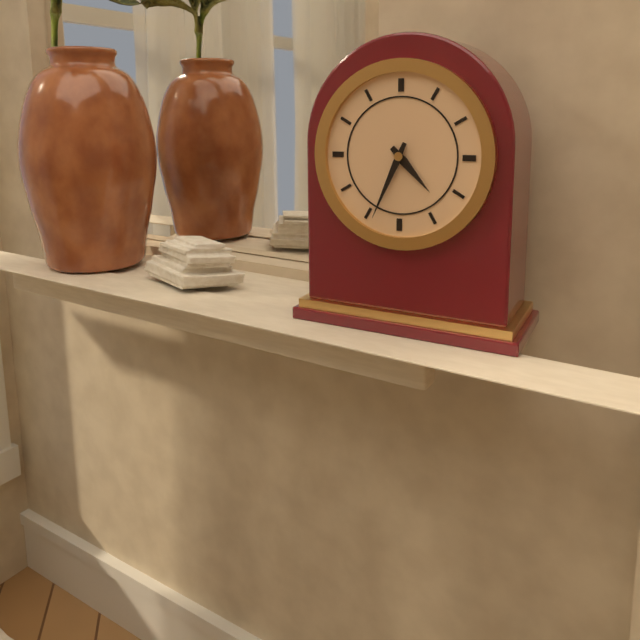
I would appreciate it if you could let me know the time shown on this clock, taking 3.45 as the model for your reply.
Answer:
4.34
